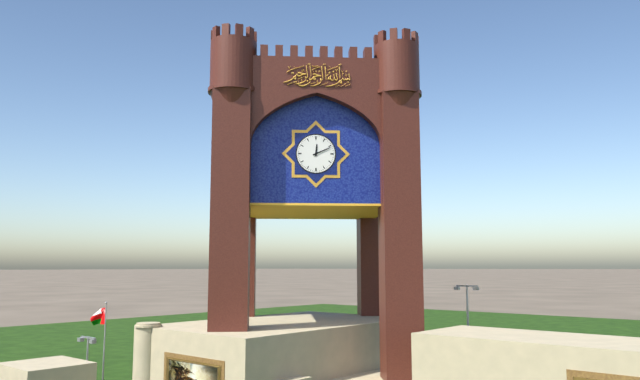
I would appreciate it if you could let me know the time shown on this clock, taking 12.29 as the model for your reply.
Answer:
12.11
